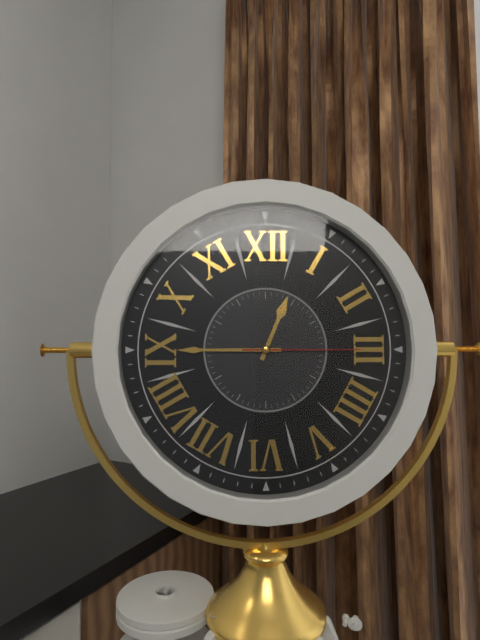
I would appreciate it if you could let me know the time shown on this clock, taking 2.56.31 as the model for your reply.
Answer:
12.45.15
